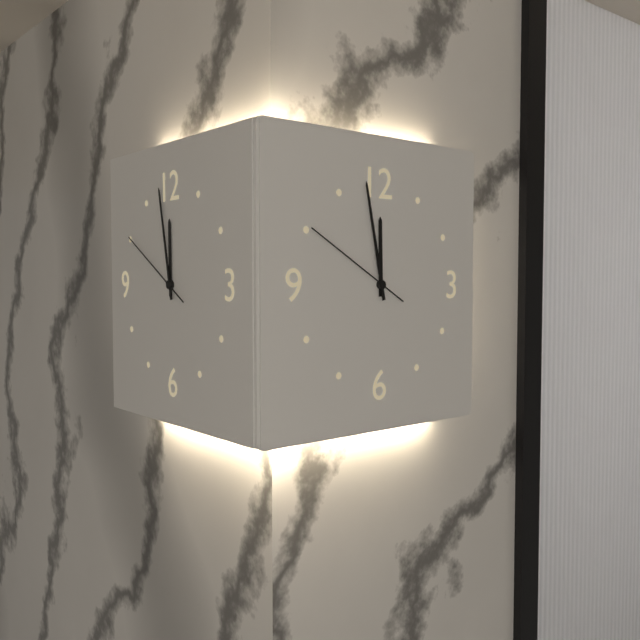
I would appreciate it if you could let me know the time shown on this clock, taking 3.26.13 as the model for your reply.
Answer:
11.58.50
